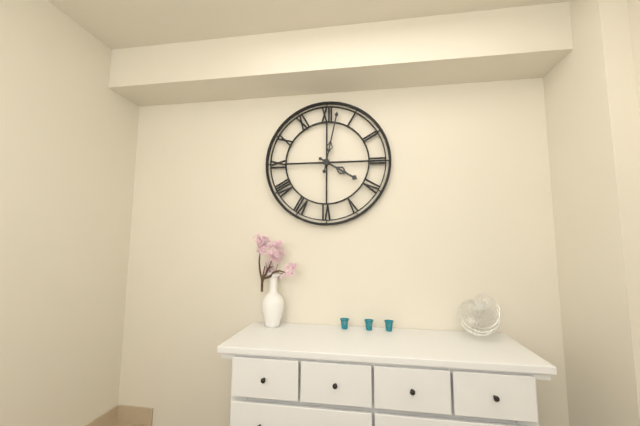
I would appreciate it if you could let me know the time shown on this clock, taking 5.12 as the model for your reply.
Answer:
4.02
